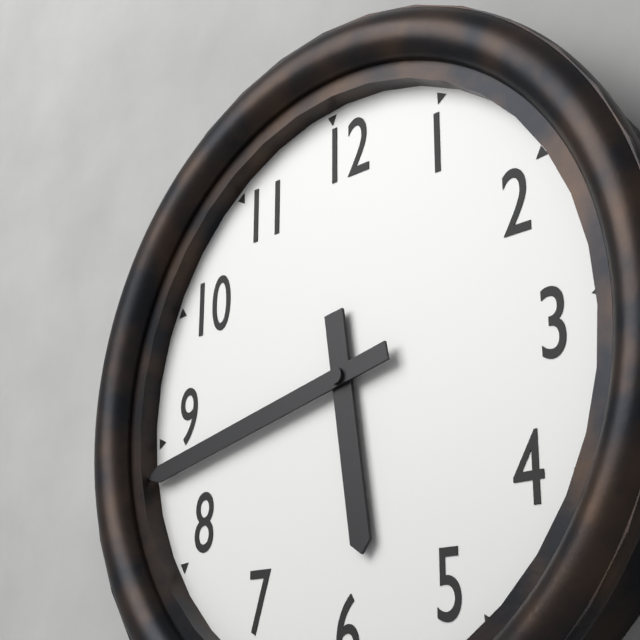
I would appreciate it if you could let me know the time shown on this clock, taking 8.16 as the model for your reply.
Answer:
5.43
